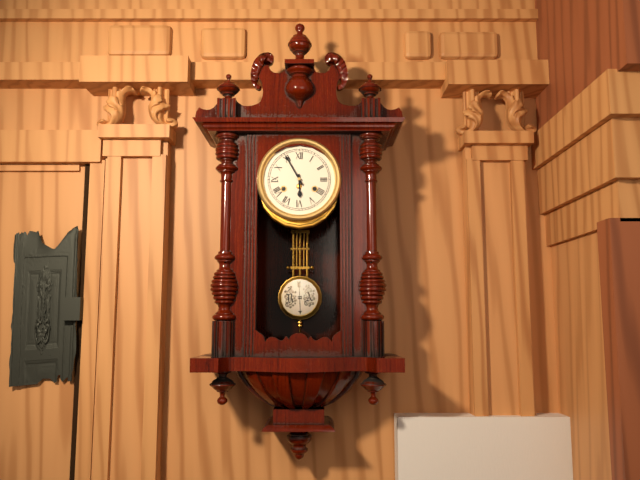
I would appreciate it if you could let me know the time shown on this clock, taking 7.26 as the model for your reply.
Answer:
5.55
